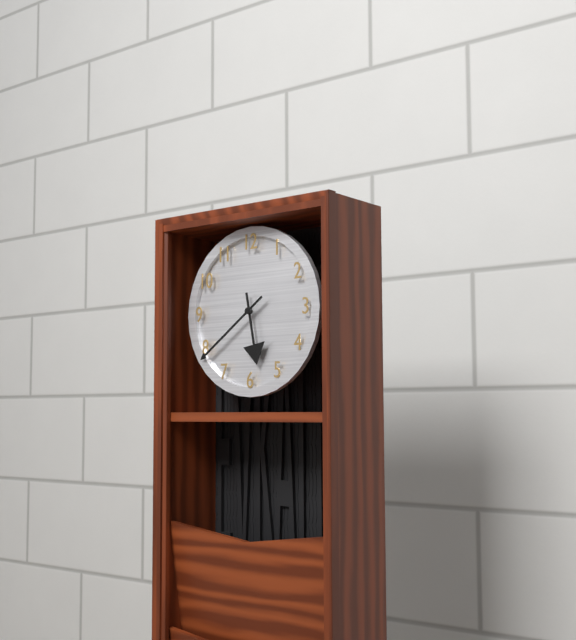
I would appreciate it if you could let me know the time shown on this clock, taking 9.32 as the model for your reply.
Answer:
5.39
